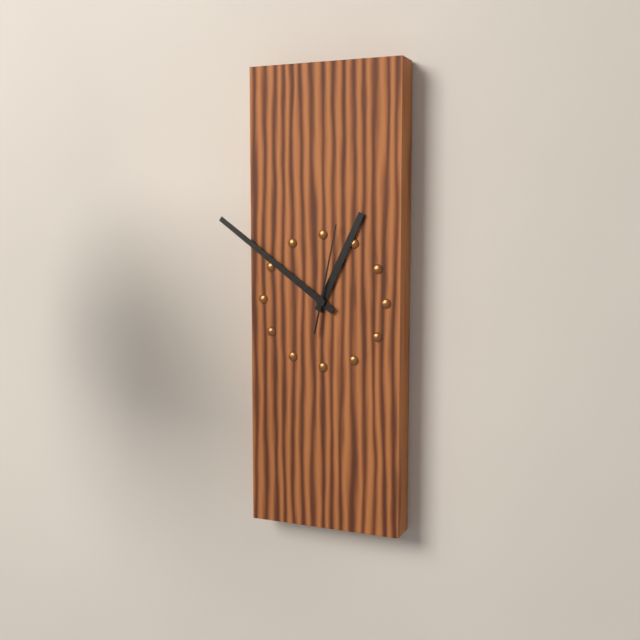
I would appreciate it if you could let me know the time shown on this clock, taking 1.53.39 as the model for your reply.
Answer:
12.51.02
